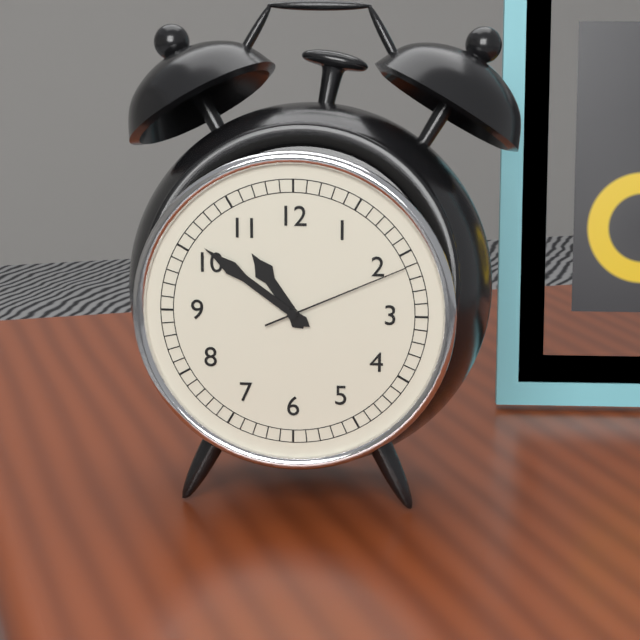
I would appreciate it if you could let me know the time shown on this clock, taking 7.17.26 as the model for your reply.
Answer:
10.51.11
